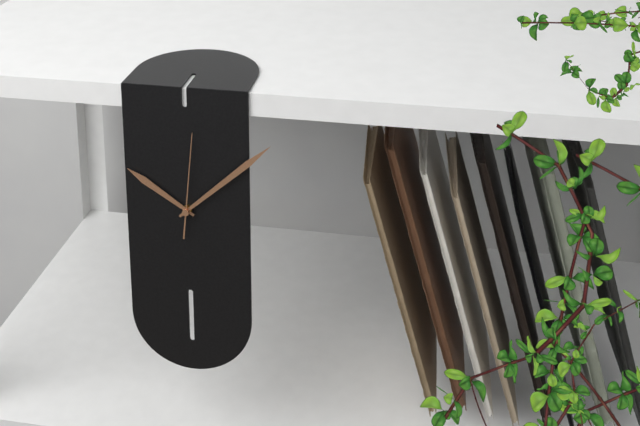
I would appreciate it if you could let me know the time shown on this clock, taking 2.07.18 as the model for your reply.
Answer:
10.08.01
